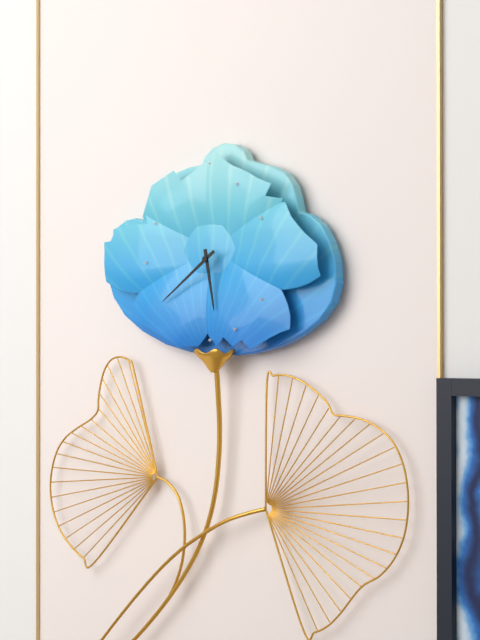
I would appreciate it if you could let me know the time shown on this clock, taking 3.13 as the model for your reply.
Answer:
5.39
